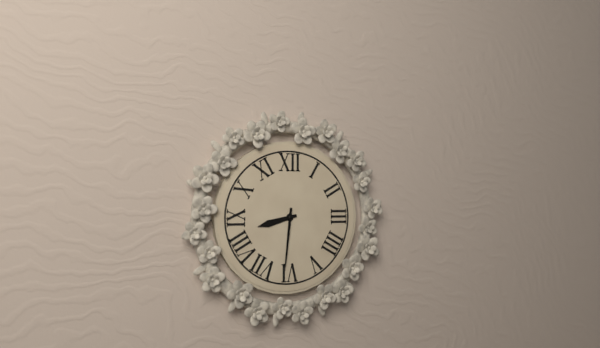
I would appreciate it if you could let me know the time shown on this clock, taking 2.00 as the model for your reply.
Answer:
8.31
